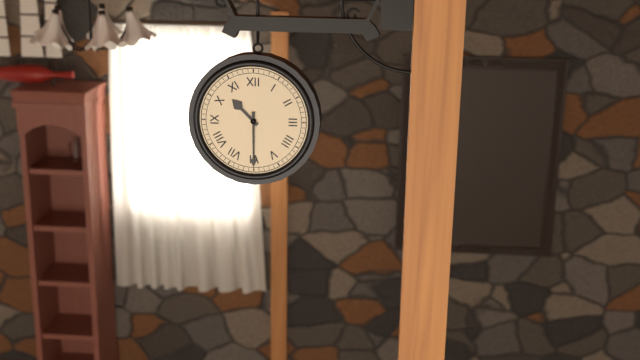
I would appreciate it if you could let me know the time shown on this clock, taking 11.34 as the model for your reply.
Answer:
10.30
